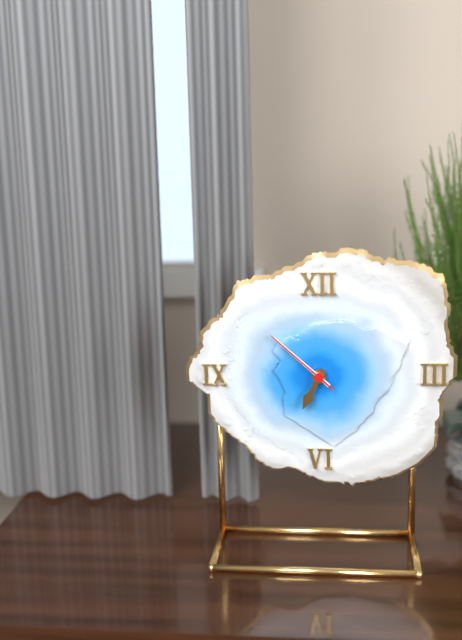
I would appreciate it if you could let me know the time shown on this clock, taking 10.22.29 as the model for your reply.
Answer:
6.52.52
